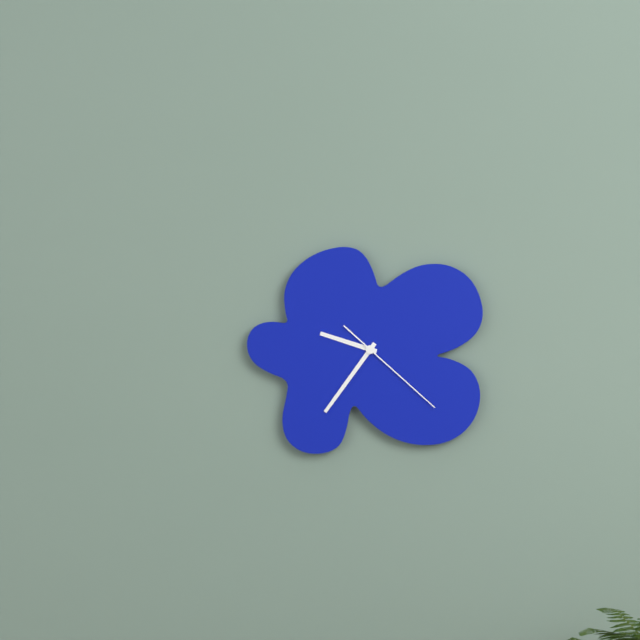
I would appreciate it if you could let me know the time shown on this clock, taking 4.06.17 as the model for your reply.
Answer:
9.36.22
